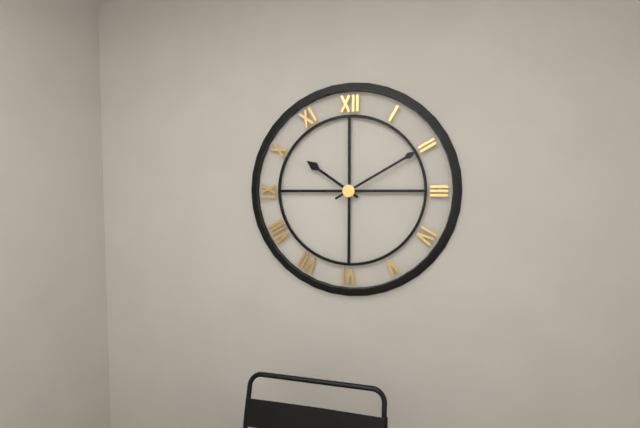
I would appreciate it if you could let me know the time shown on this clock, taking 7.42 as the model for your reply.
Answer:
10.10
